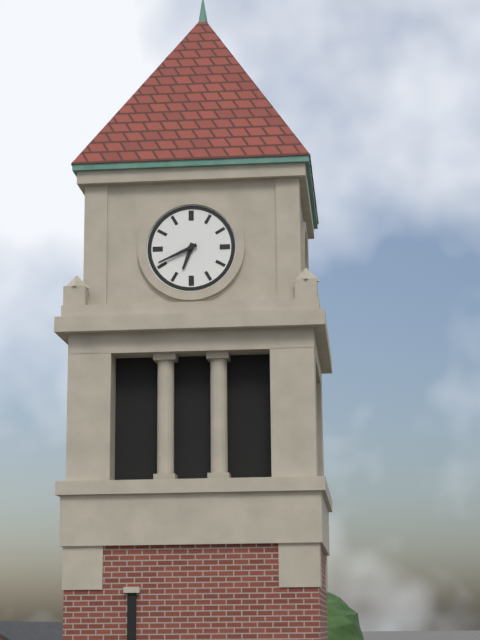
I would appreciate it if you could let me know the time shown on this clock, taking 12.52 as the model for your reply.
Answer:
6.41
